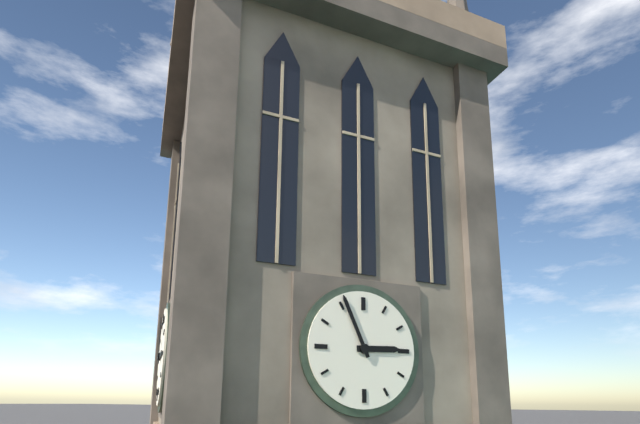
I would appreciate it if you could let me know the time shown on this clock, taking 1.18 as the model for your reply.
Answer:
2.56
